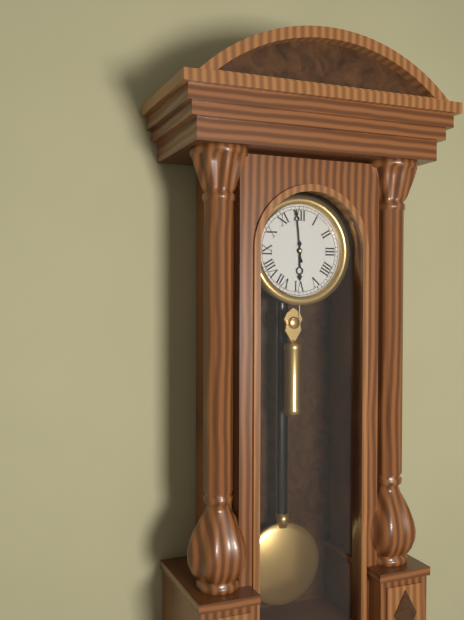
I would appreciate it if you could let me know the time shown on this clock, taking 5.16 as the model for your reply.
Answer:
5.59
